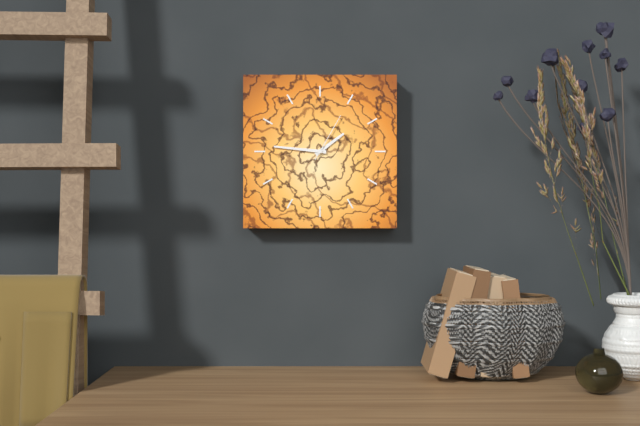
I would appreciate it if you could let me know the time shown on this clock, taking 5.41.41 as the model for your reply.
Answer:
1.46.05
